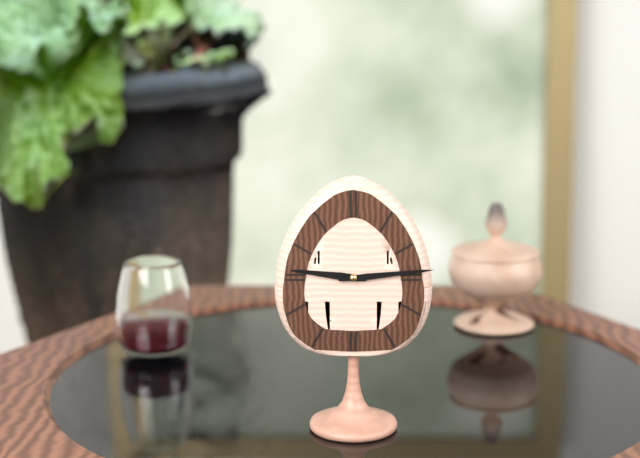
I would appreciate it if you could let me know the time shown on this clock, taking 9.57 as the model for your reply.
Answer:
9.14
